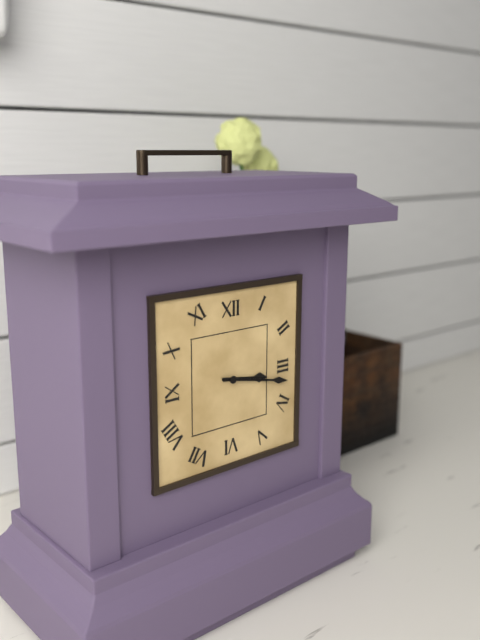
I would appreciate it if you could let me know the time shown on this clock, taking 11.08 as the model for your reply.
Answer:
3.17
